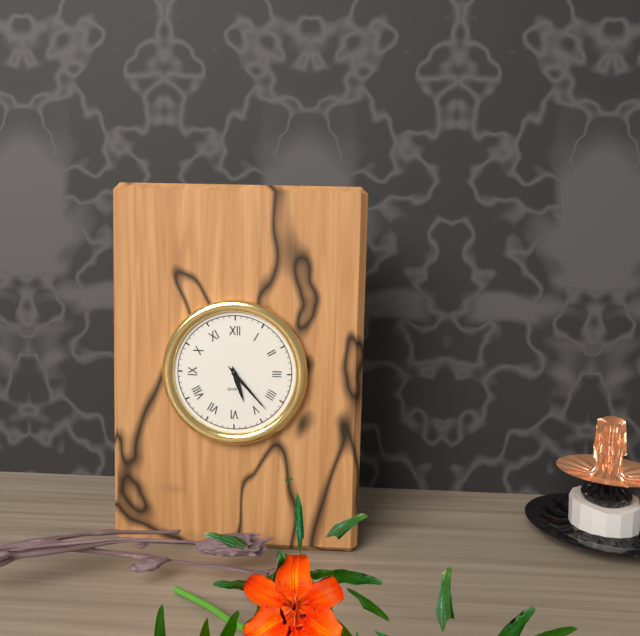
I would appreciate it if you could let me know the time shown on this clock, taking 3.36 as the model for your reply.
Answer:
5.23
